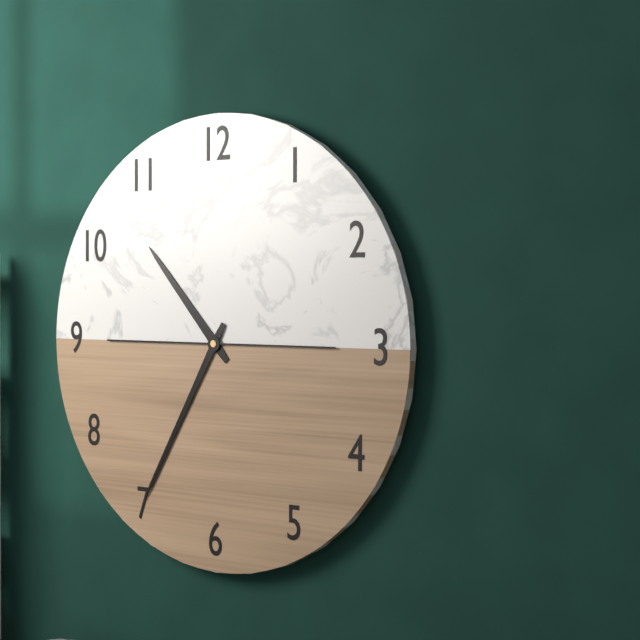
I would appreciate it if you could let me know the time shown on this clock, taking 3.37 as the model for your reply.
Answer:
10.35
